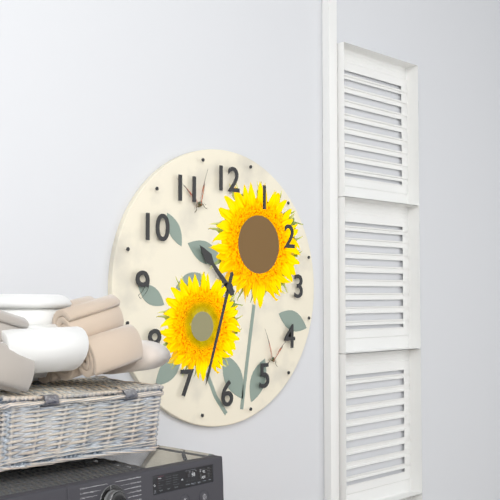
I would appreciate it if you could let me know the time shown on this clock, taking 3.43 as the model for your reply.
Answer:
10.33
